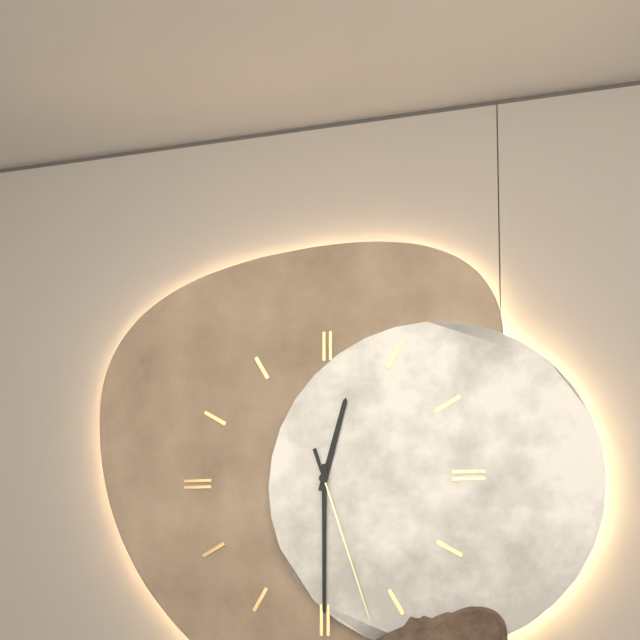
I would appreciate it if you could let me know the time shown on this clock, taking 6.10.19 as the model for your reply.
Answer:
12.30.27
